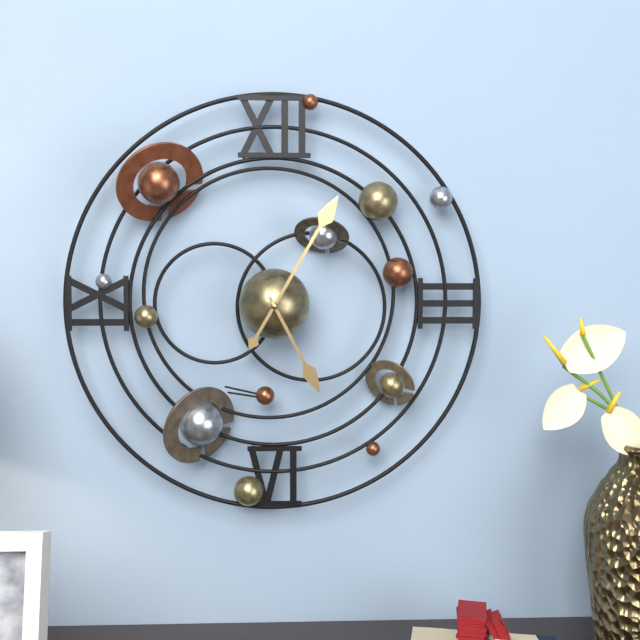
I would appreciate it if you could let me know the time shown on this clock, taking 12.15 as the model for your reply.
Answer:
5.05
